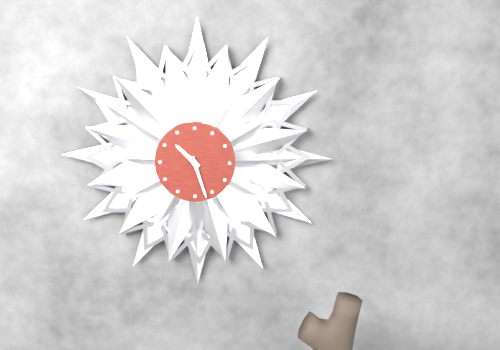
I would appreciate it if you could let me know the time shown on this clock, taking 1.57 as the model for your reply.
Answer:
10.27
